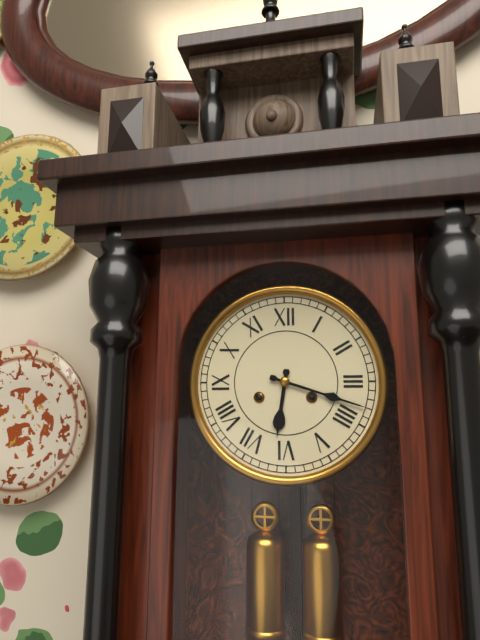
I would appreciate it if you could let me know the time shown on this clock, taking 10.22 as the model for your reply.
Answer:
6.18
